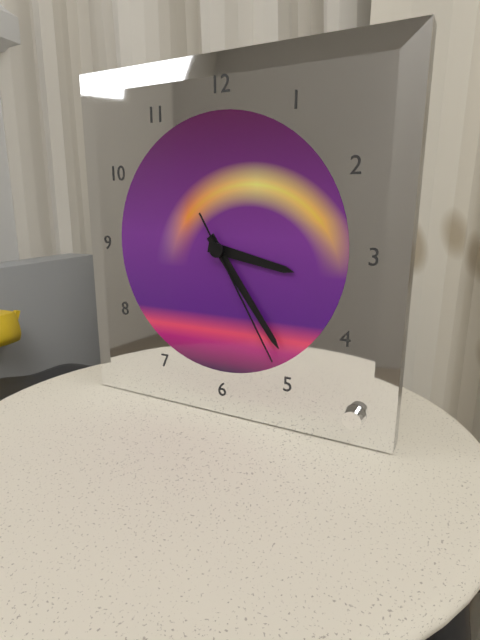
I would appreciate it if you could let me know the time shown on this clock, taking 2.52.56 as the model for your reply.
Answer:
3.24.25
